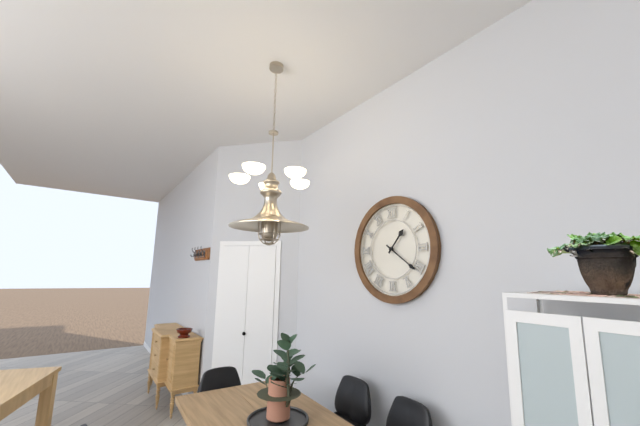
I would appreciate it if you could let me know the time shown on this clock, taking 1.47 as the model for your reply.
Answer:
1.21
